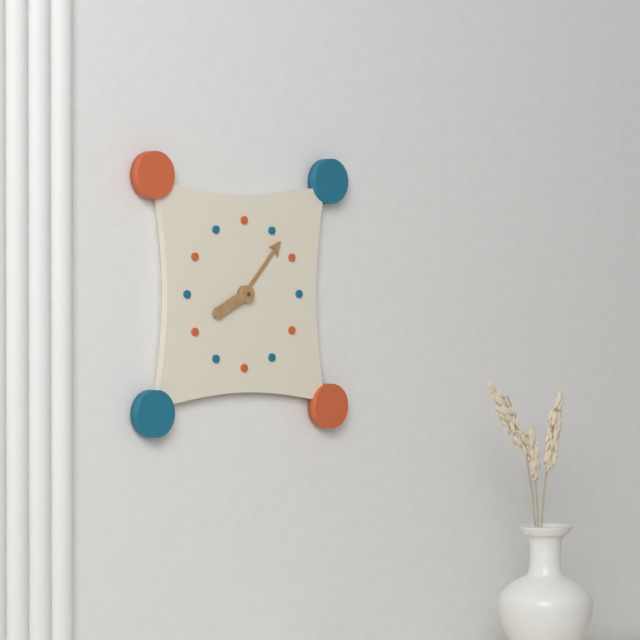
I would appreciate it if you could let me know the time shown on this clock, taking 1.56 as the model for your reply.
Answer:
8.07
